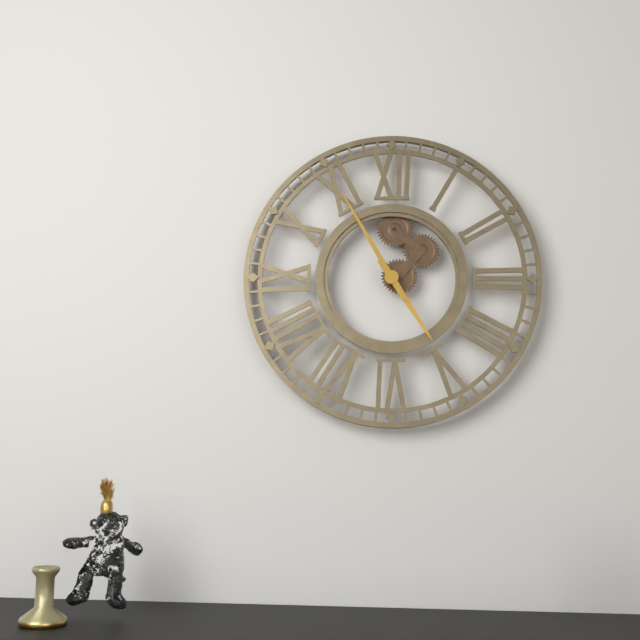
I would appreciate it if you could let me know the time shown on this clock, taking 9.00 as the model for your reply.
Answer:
4.55
